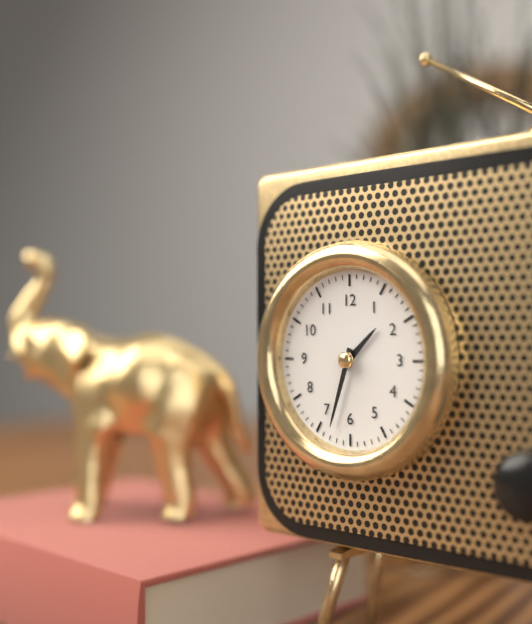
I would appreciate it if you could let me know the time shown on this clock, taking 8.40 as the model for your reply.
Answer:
1.33
